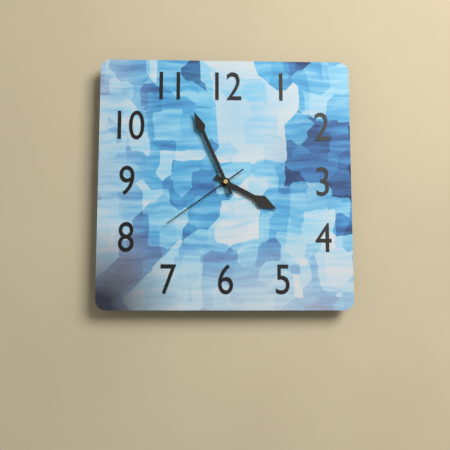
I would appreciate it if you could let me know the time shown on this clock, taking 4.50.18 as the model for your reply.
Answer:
3.56.39
